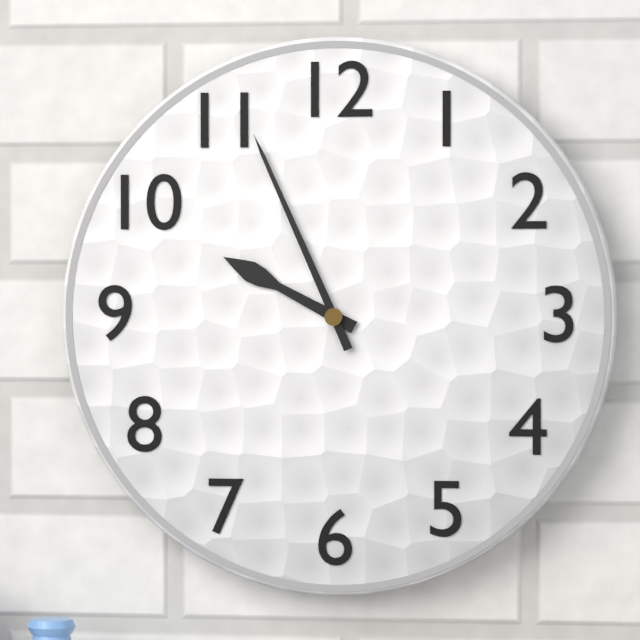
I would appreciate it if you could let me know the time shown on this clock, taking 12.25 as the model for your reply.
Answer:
9.56
